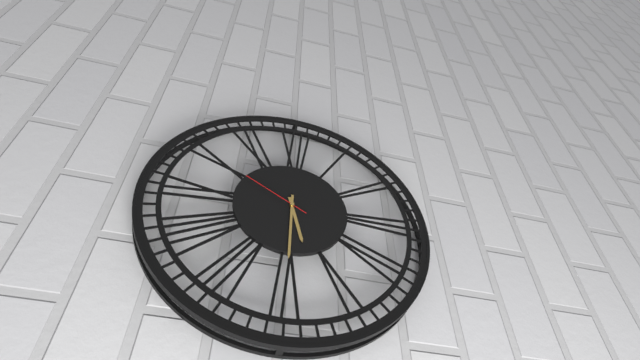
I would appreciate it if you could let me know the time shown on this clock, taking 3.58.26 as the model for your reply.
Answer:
5.30.50
